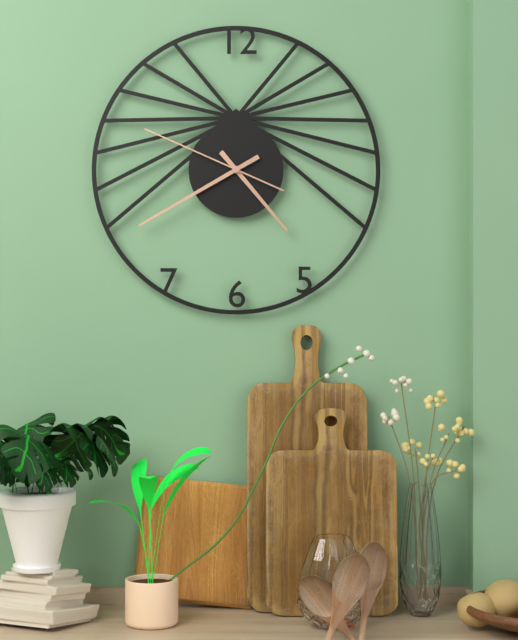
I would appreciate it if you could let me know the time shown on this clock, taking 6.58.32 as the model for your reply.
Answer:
4.40.49
